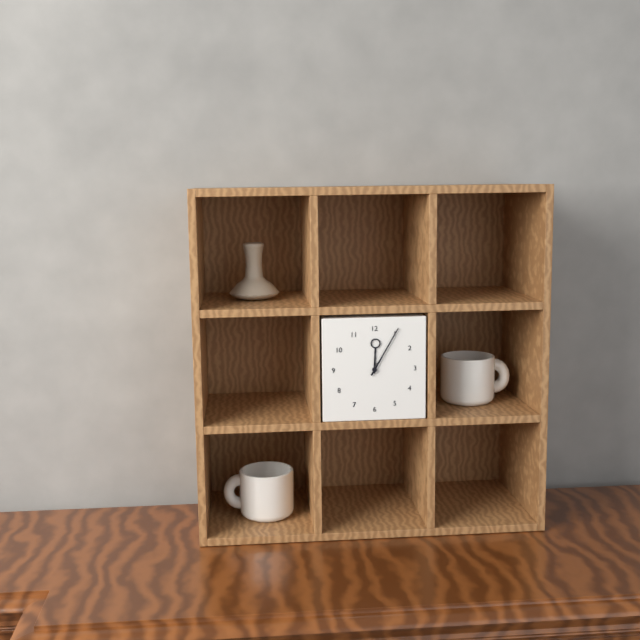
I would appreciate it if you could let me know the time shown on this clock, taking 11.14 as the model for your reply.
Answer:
12.05
